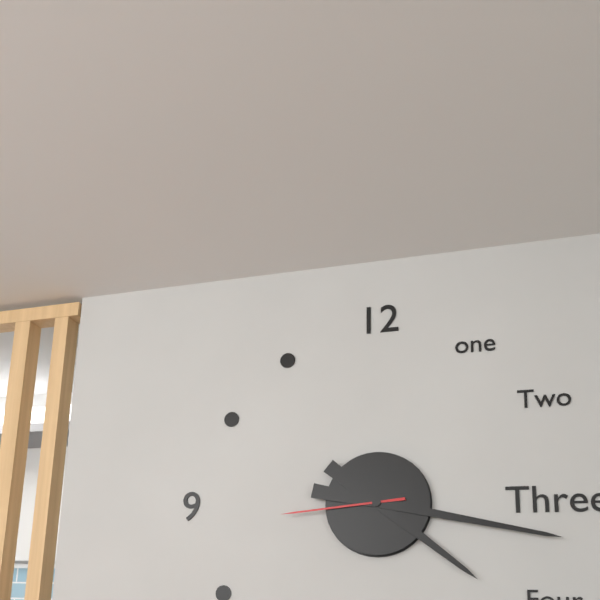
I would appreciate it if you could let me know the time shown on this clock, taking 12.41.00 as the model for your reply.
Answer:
4.17.44
